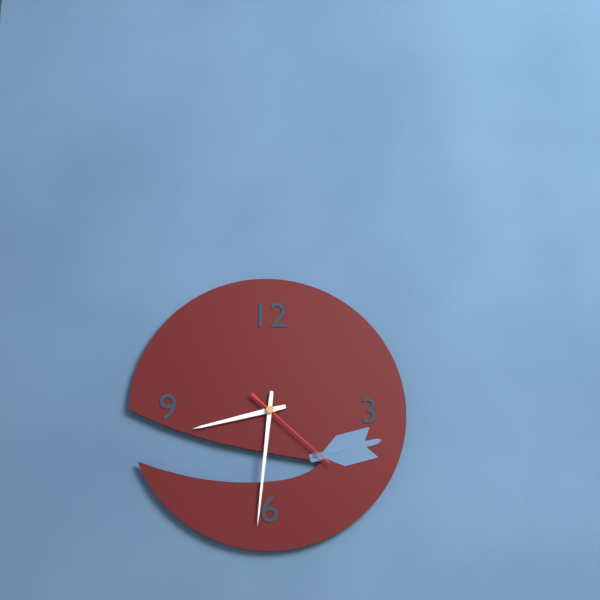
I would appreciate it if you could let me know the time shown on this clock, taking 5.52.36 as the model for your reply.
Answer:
8.31.22
